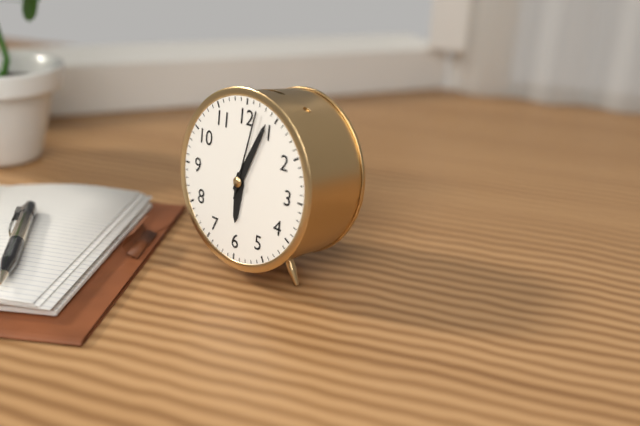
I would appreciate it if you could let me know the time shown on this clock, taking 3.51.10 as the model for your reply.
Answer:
6.04.02
